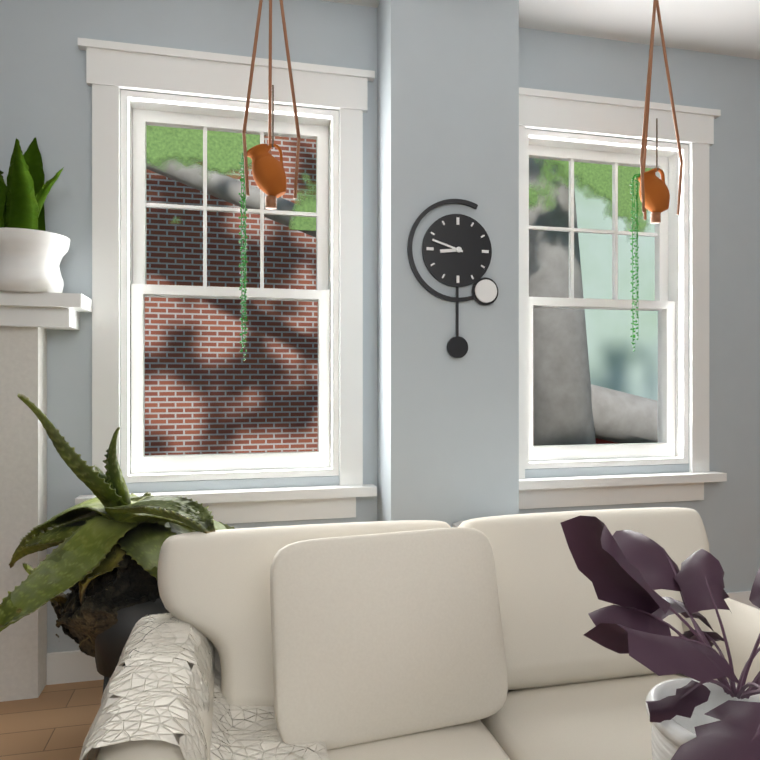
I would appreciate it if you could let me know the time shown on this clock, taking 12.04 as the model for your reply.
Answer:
8.48
